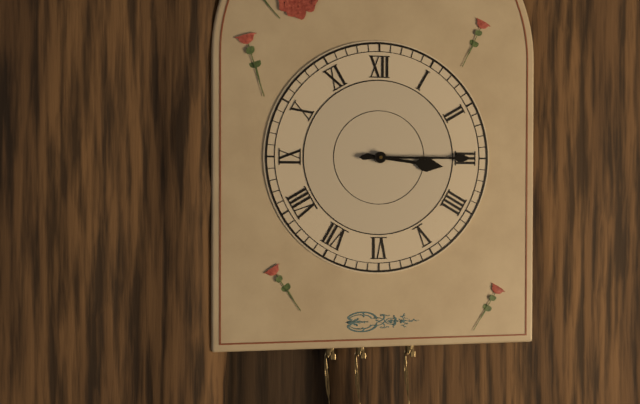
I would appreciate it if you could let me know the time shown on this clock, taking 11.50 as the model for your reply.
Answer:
3.15
